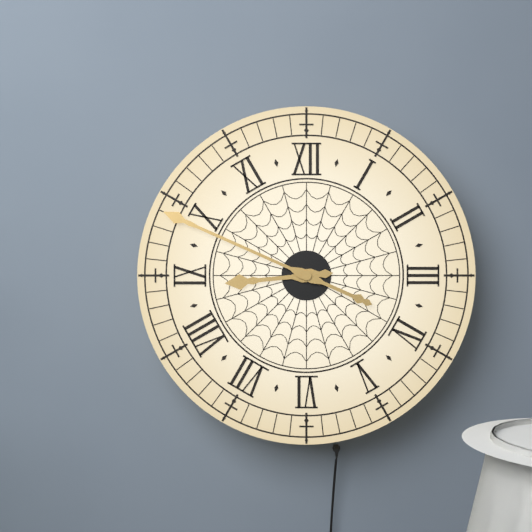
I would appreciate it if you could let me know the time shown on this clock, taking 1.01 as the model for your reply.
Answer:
8.49
